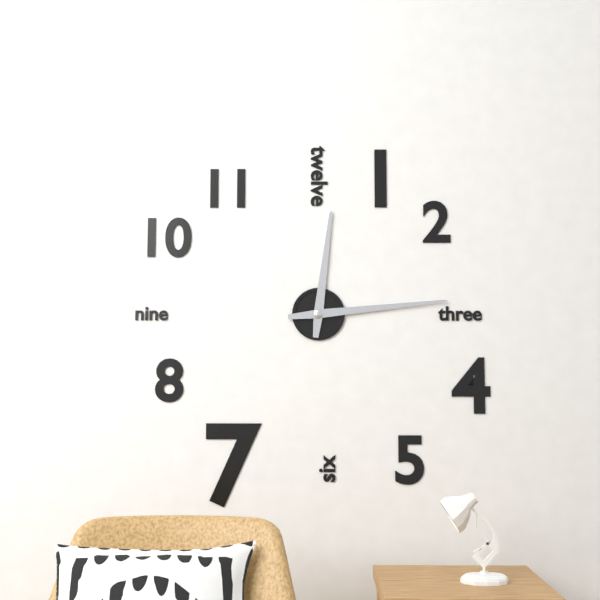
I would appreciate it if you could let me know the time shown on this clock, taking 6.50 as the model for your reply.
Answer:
12.14
